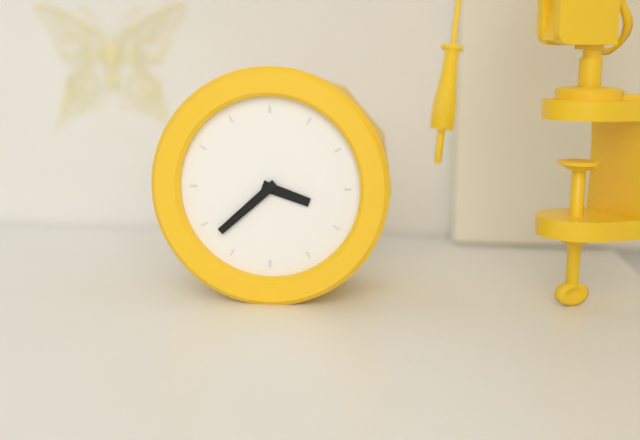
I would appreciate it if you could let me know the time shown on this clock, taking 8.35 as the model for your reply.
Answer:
3.38
